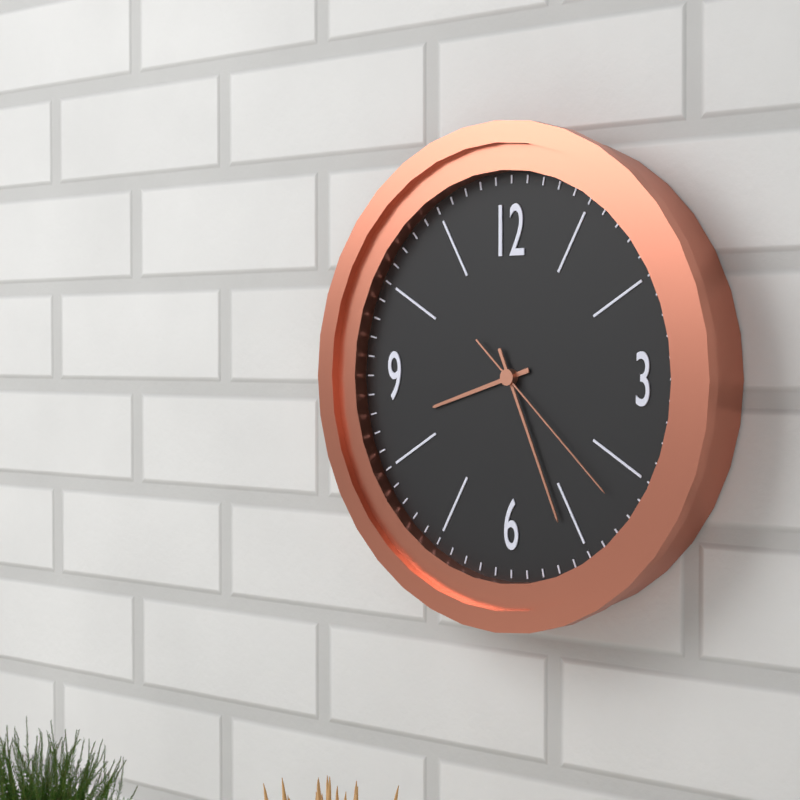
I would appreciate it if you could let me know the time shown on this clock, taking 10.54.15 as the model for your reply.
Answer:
8.26.22
